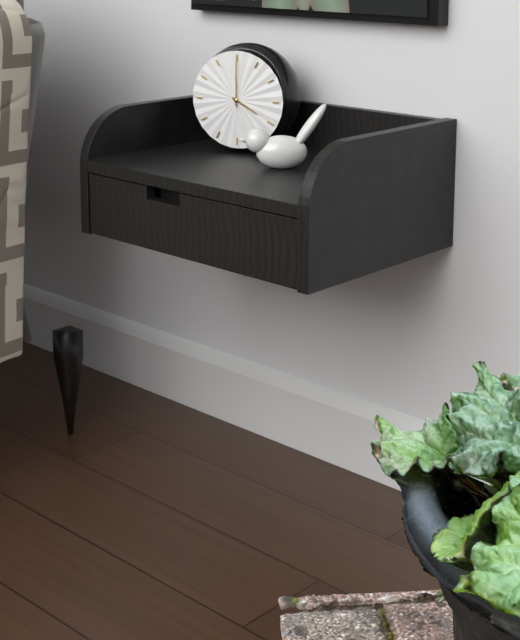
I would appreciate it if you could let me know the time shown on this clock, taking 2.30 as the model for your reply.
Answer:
4.00
